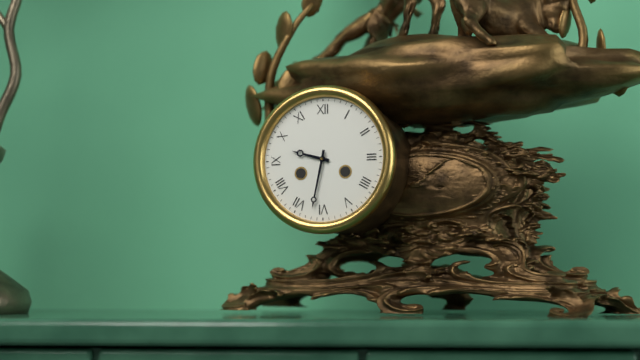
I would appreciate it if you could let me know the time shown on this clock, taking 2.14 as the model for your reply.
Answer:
9.32
